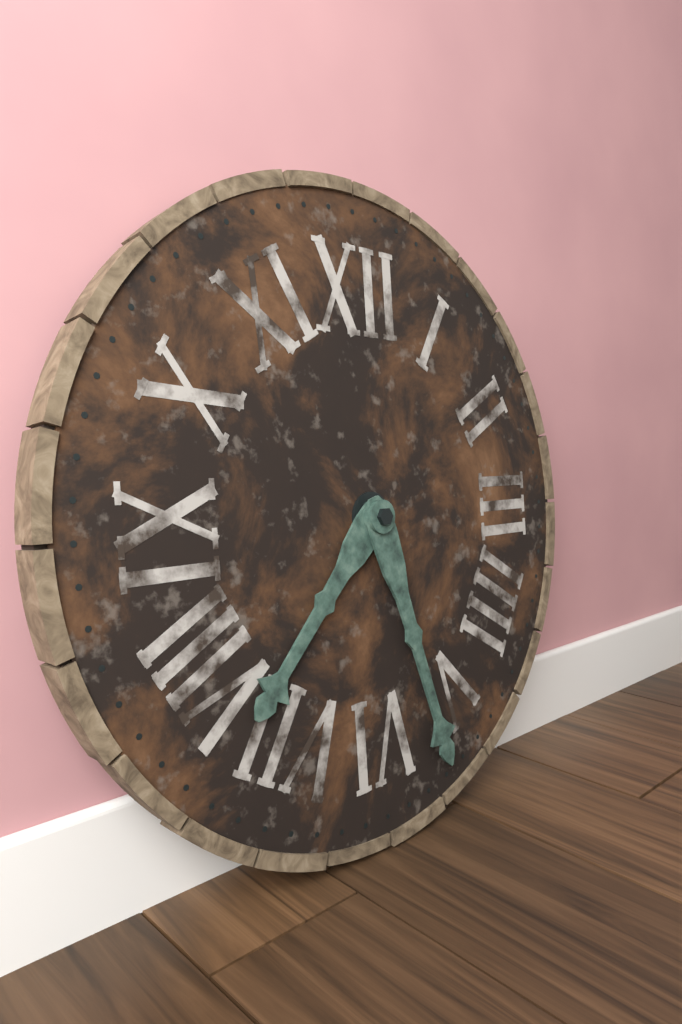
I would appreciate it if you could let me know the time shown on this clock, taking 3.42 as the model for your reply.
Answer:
7.27
